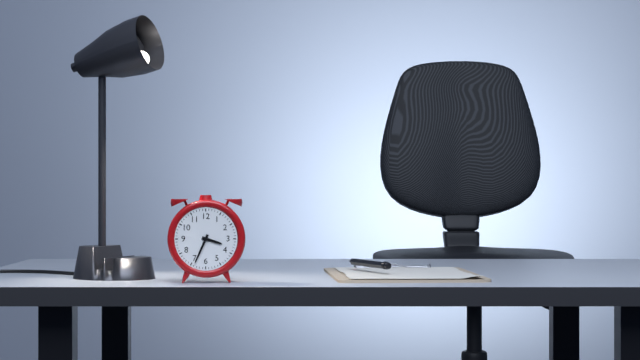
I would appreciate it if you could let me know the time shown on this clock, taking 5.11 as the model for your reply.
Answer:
3.34
